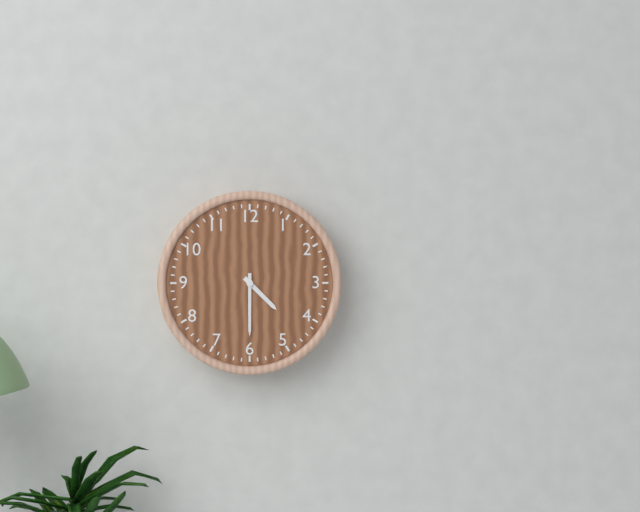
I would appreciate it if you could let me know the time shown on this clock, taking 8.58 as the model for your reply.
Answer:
4.30
